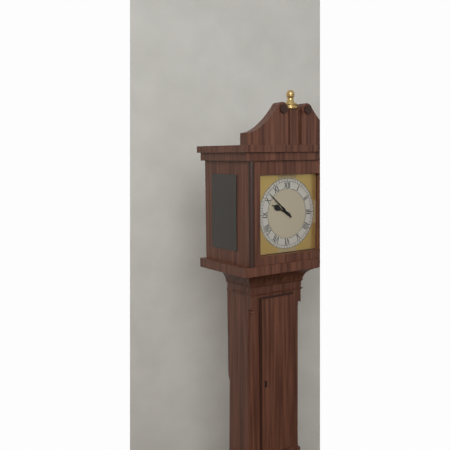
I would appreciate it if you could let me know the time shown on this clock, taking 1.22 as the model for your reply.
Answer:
9.52
